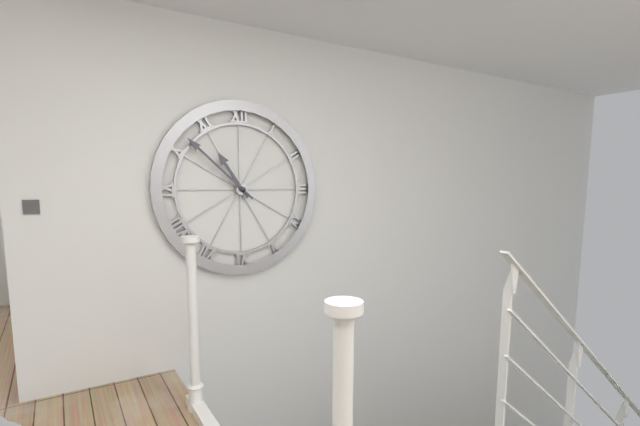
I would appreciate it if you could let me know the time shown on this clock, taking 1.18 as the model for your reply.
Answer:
10.52
